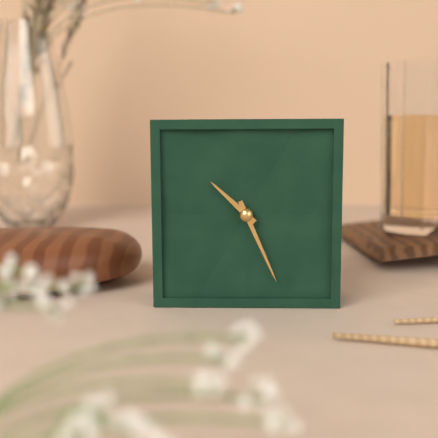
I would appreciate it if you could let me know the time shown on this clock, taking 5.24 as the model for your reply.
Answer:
10.26
